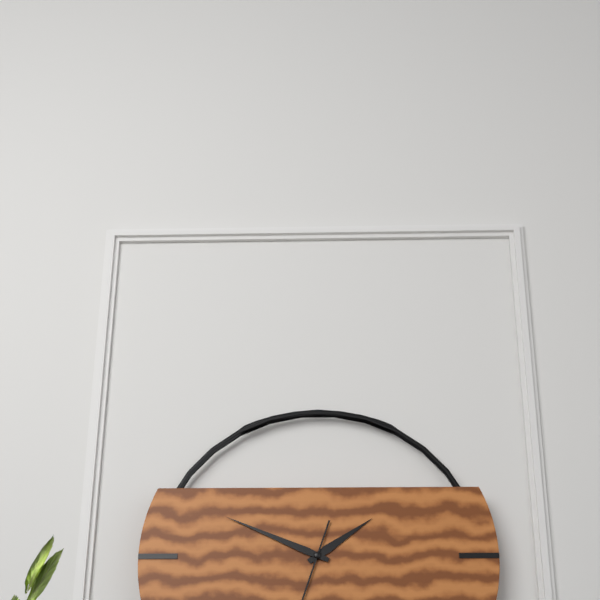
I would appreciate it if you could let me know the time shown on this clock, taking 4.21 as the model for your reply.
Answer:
1.49
